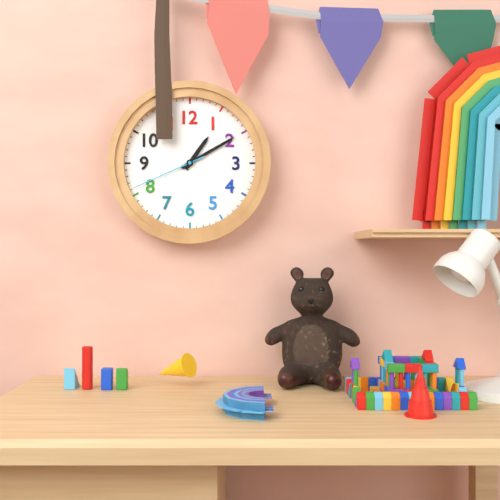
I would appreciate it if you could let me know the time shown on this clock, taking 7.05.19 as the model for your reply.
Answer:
1.10.41
